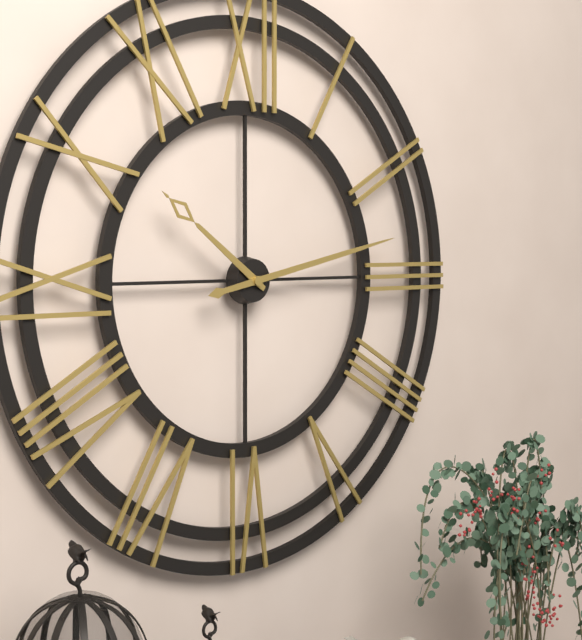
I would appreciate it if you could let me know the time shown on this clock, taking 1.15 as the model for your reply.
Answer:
10.13
